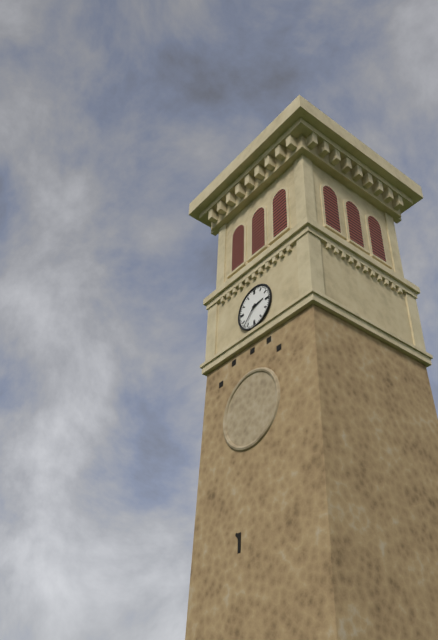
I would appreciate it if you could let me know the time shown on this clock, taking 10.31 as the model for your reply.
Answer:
2.37
